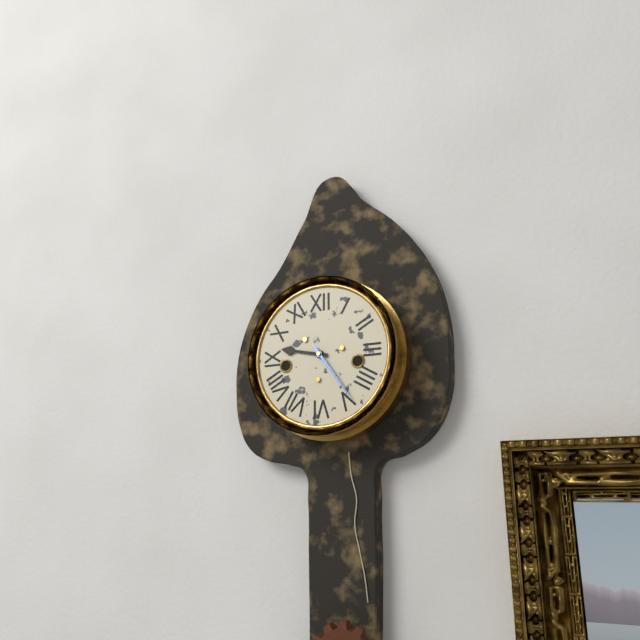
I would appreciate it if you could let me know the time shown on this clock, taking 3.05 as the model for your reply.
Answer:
9.24
